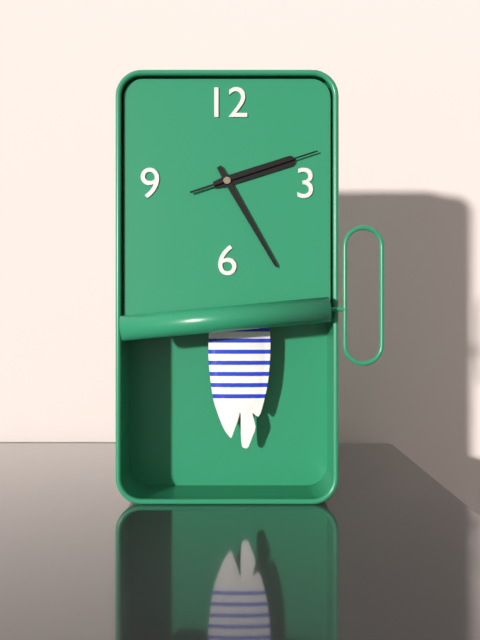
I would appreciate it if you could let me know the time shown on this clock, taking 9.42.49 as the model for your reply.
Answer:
2.25.12
